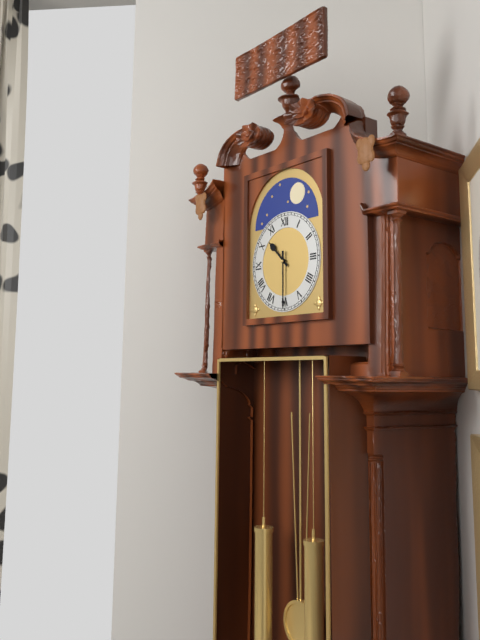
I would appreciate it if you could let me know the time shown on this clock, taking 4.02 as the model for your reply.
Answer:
10.30
